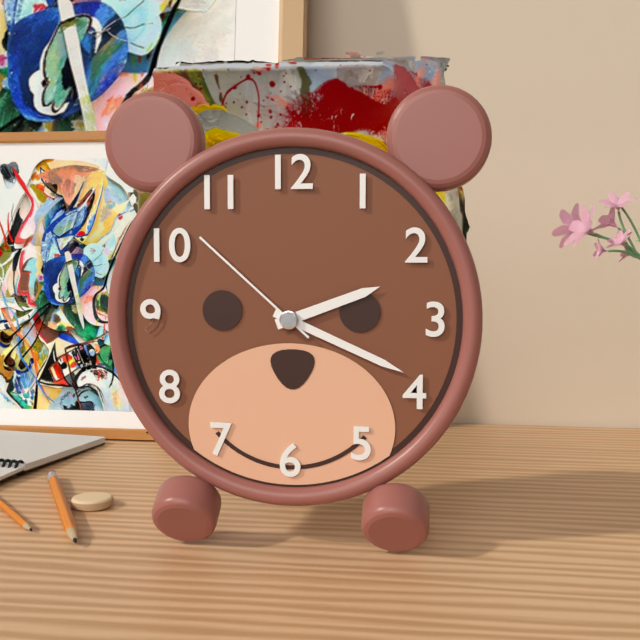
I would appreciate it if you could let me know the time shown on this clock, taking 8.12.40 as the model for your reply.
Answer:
2.19.52
